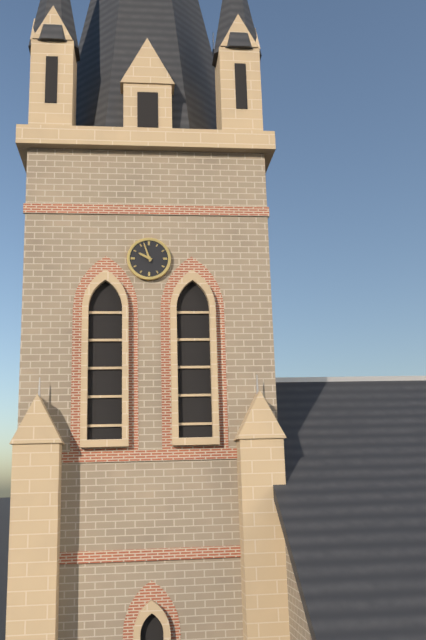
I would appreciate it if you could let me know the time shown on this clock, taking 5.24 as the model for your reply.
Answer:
9.57
